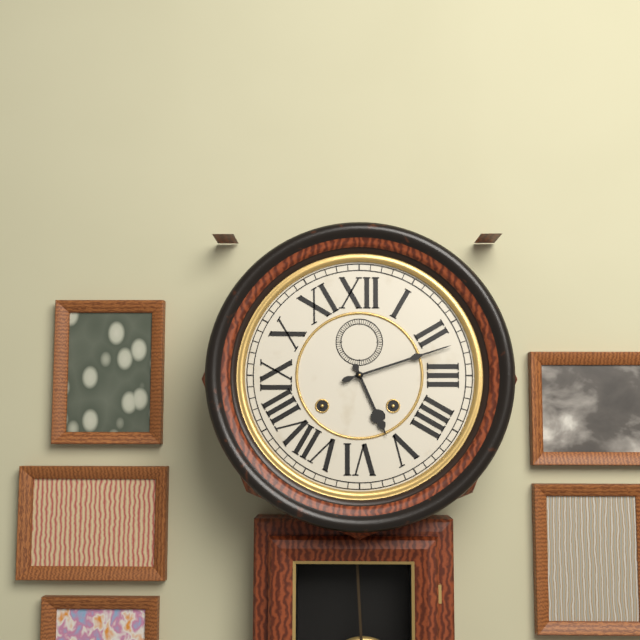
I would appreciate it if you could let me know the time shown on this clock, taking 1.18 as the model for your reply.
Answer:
5.12
